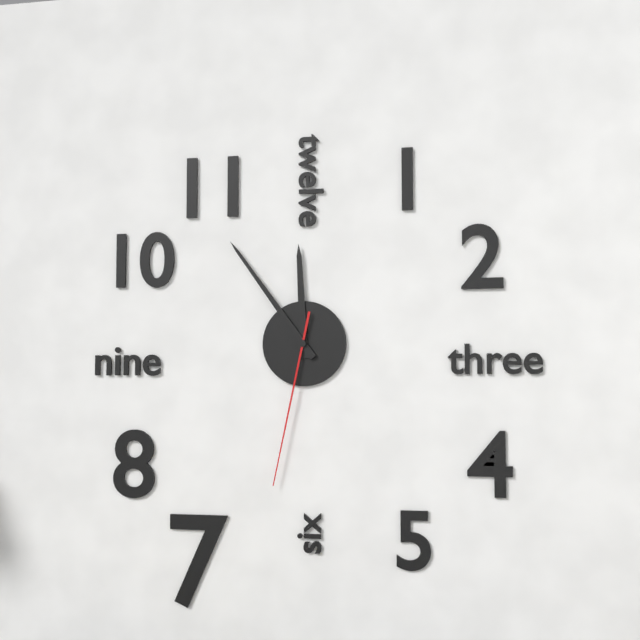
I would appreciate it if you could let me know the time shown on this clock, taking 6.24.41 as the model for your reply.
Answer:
11.54.32
